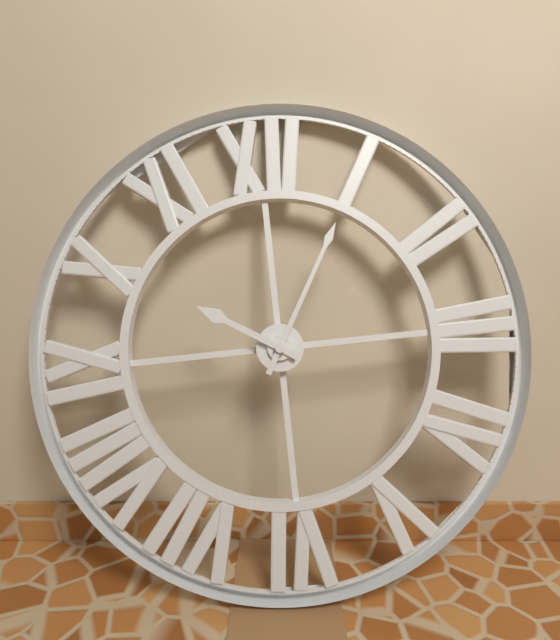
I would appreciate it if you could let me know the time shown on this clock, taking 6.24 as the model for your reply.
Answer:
10.05
